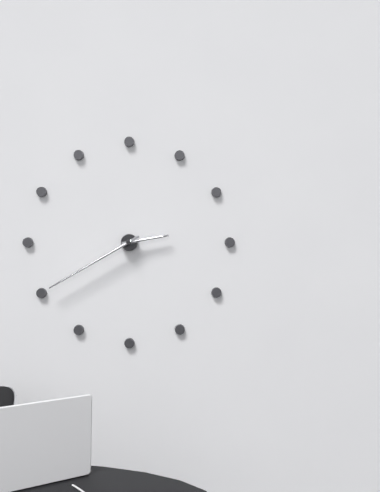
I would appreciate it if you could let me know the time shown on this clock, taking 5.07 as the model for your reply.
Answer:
2.40
